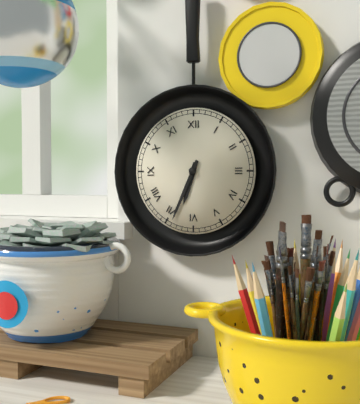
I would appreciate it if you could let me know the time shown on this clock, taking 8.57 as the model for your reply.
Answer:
6.34
